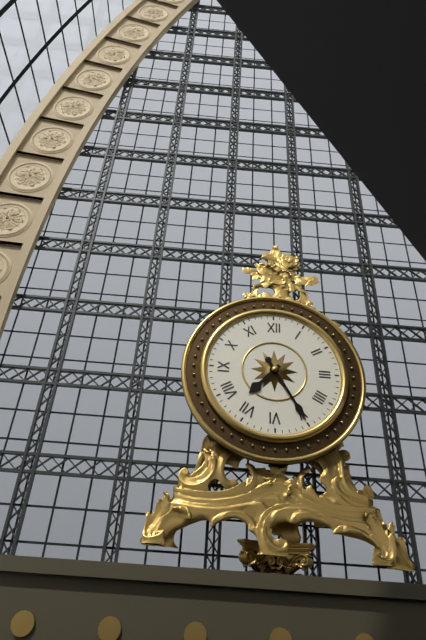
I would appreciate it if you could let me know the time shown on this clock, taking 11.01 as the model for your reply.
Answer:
7.25
